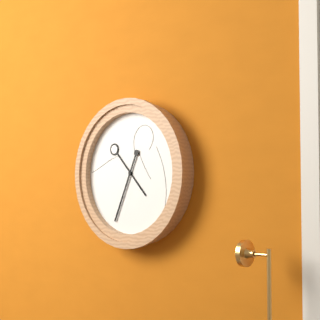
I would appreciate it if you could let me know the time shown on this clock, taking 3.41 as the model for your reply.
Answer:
4.34
